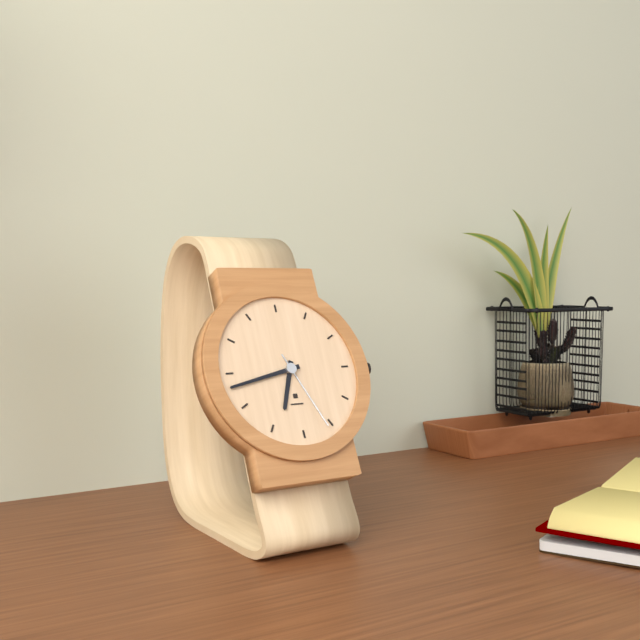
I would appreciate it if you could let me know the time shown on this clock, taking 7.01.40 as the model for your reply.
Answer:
6.43.26
